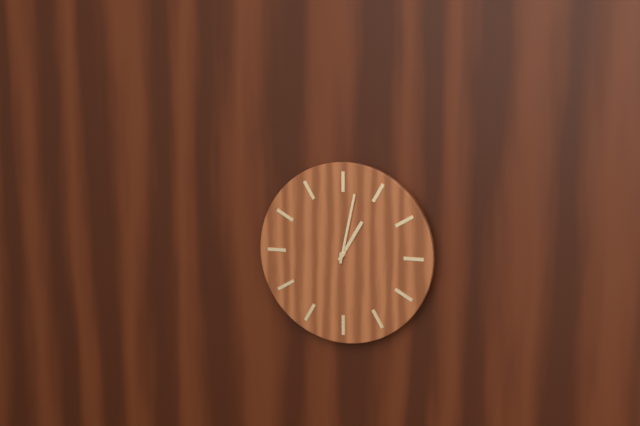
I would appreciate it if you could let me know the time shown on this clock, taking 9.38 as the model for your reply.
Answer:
1.02
